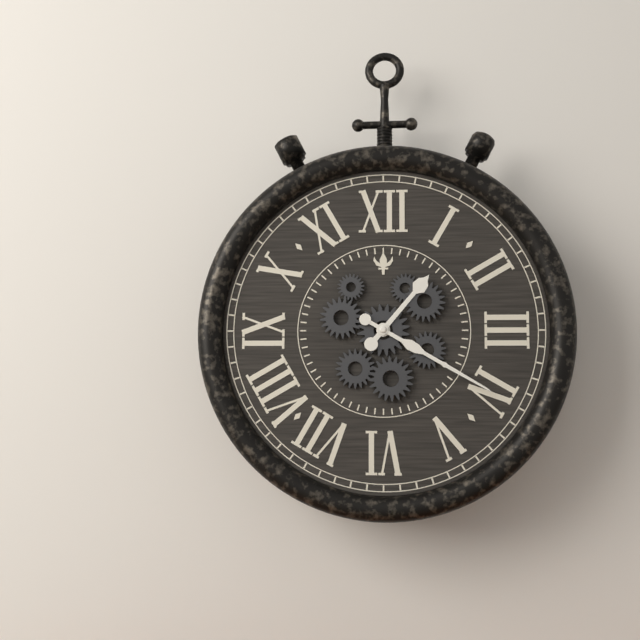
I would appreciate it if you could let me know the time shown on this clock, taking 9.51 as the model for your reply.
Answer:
1.20
